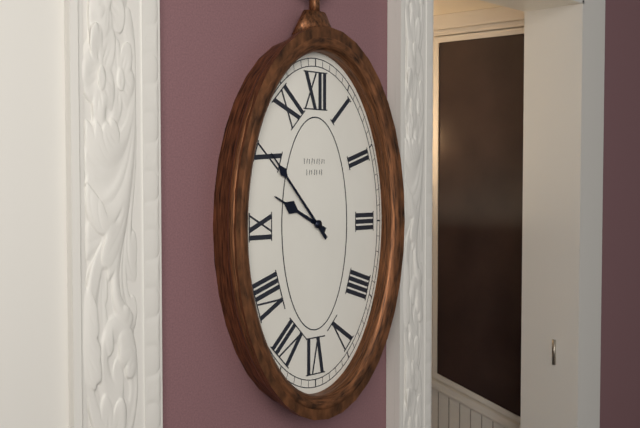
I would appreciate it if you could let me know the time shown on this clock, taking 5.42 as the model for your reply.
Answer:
9.53
